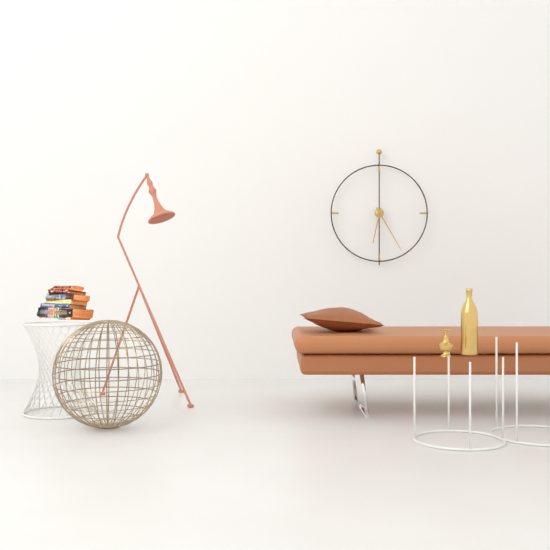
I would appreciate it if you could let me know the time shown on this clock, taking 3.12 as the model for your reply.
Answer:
6.25
